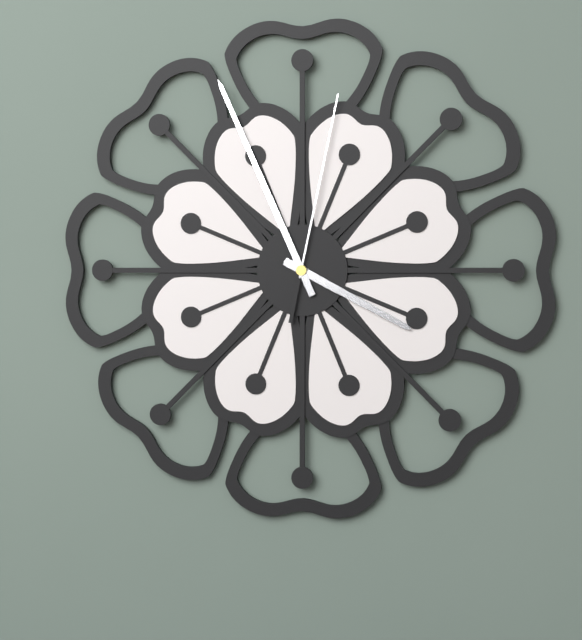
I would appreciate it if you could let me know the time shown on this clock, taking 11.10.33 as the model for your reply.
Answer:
3.56.02
